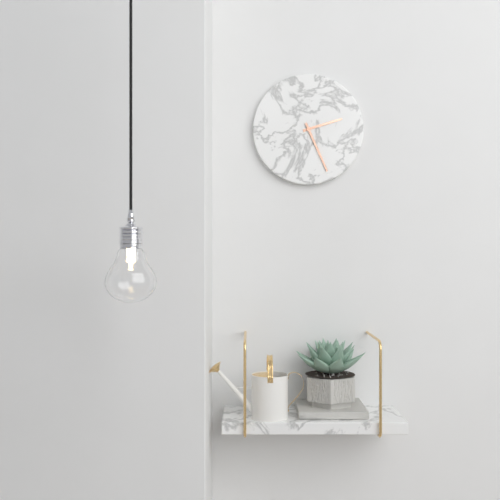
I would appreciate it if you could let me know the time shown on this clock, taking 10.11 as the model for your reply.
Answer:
2.26
